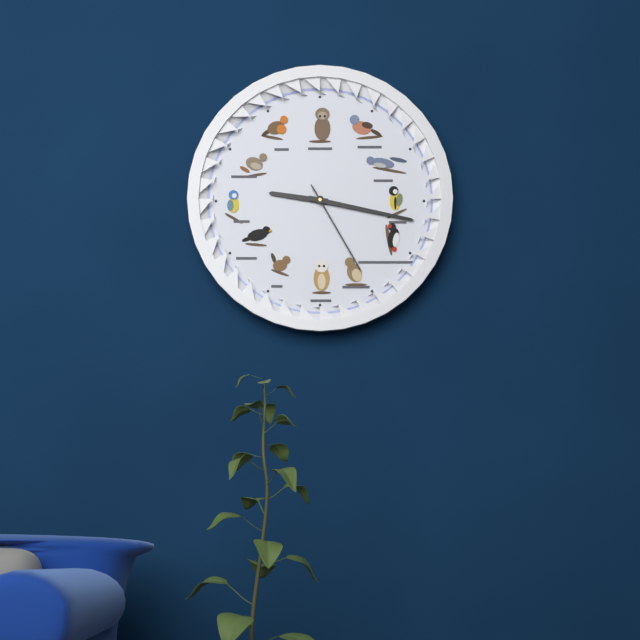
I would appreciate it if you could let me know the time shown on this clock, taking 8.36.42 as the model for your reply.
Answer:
9.17.25
